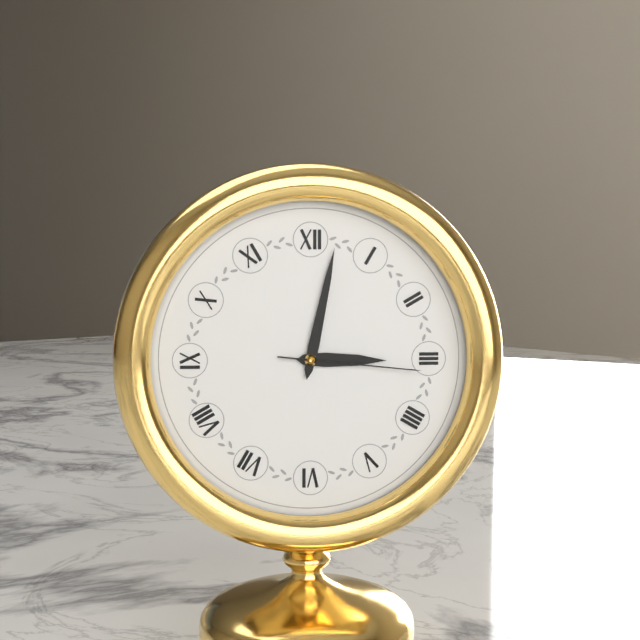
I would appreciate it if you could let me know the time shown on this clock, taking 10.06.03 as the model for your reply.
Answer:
3.02.16
